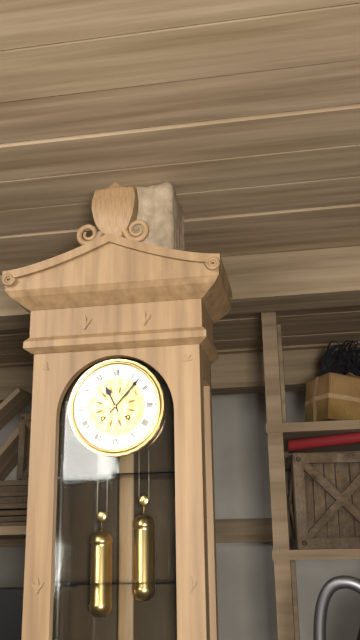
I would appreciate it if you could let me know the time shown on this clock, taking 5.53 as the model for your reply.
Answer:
11.07
